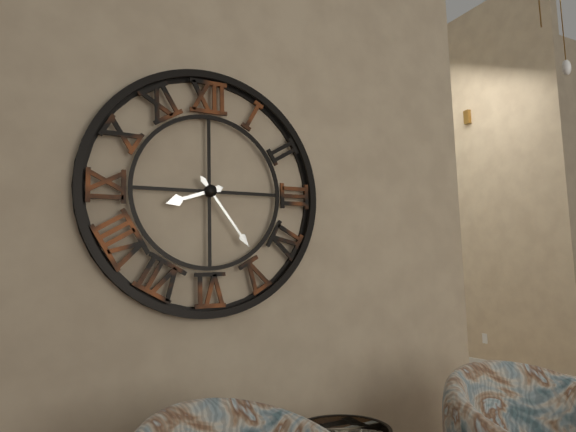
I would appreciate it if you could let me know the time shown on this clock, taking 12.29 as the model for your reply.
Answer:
8.24
